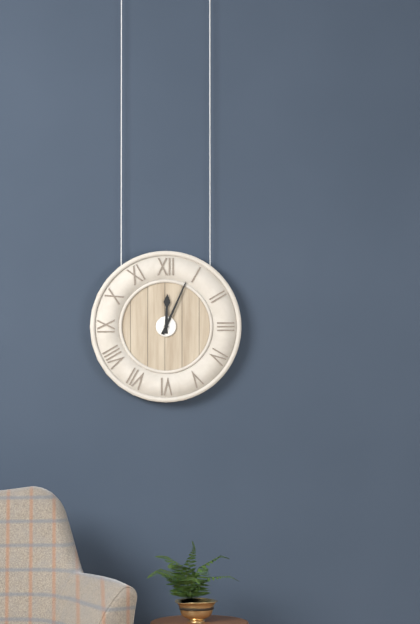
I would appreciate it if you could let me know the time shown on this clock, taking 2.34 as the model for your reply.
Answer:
12.04
